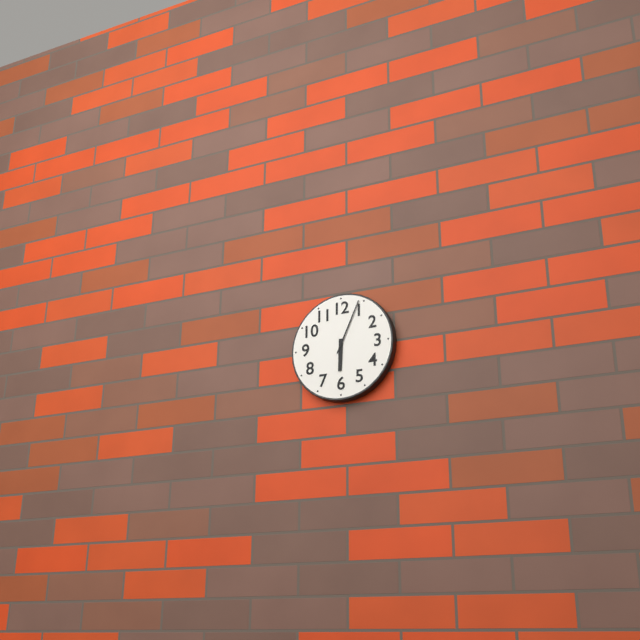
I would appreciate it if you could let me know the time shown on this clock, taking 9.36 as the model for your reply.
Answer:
6.04
